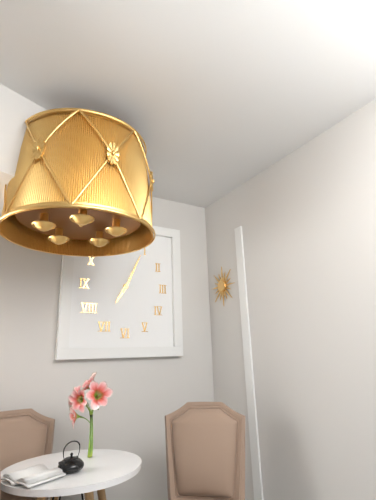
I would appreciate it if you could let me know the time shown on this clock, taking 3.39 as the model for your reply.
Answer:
7.04
